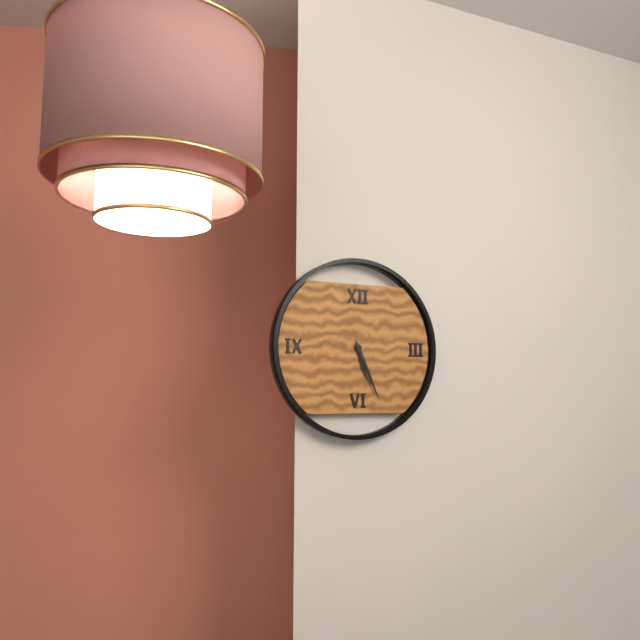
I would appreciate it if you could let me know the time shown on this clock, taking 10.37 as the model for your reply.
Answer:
5.26
